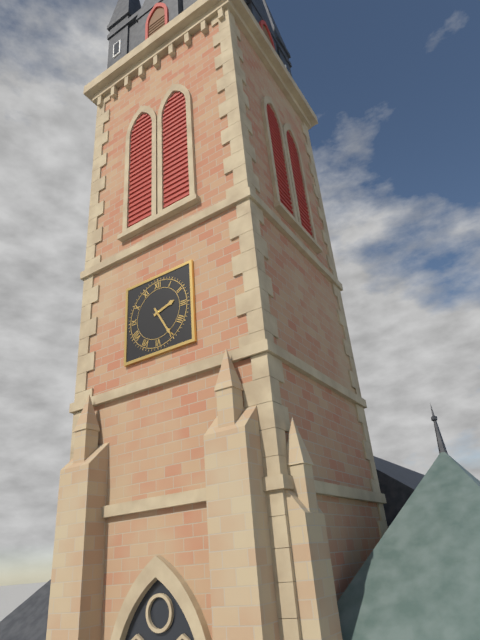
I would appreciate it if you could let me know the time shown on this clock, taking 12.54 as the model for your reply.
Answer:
2.25
